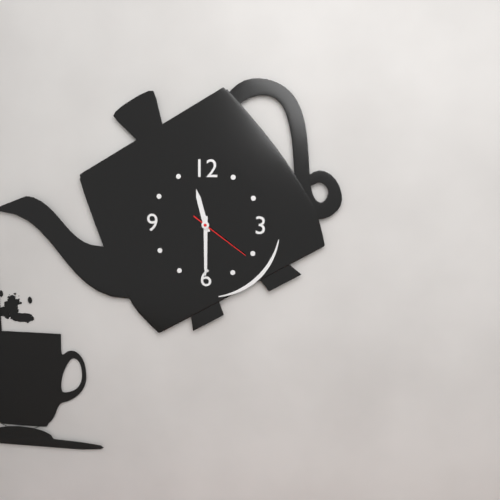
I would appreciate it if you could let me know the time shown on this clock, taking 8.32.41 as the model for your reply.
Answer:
11.30.21
